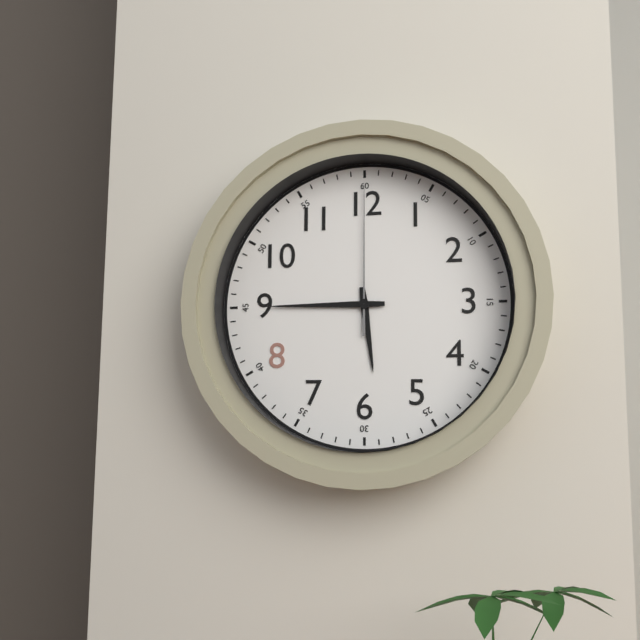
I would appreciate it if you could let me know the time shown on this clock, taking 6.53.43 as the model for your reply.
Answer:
5.45.00
